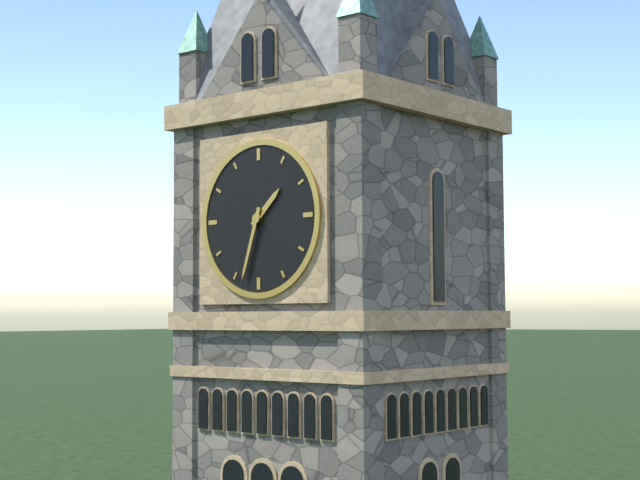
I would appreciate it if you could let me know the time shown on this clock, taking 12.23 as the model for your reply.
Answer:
1.33
